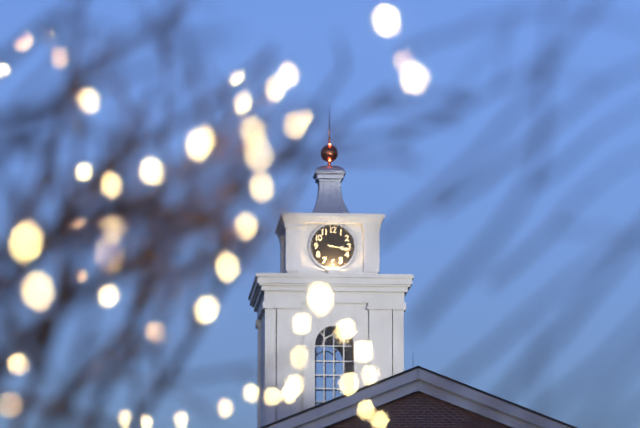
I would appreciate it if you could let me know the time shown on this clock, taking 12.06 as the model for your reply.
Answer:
3.17
